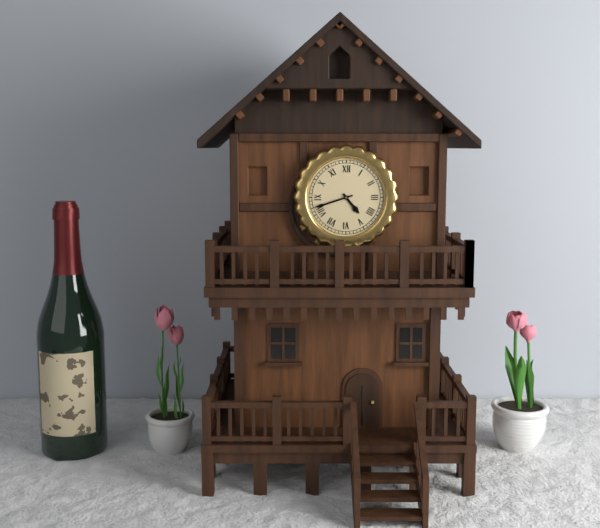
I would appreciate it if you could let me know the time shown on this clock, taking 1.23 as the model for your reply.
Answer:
4.42
